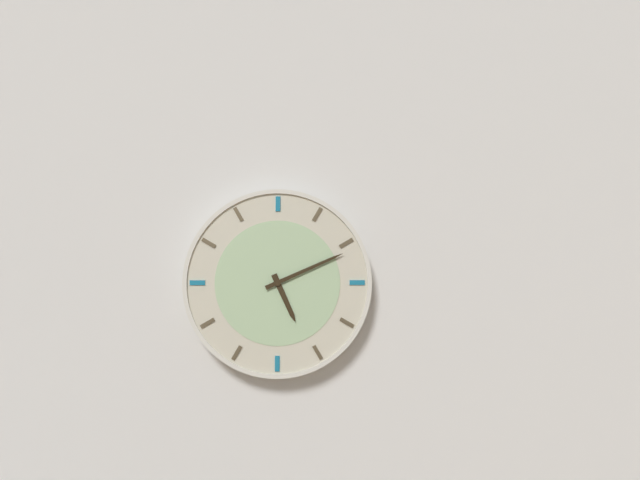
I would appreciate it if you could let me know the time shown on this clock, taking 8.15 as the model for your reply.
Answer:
5.11
